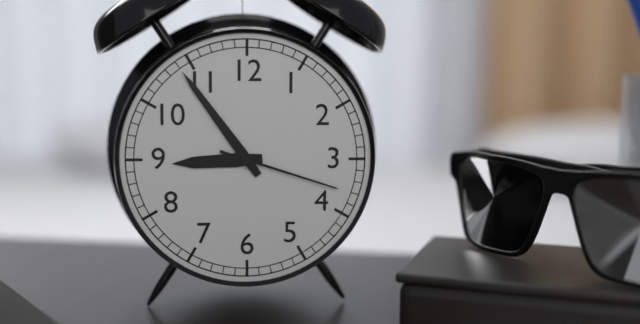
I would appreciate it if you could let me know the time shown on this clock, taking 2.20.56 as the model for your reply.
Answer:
8.54.18
